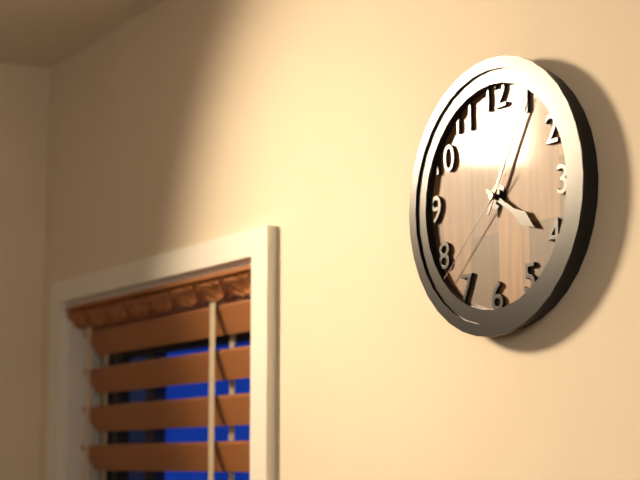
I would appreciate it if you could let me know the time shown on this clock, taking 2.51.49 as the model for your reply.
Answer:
4.05.38
